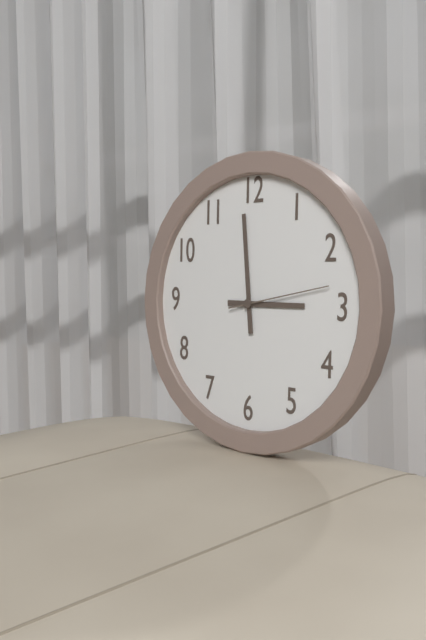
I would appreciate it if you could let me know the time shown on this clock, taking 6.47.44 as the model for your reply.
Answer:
2.59.13
